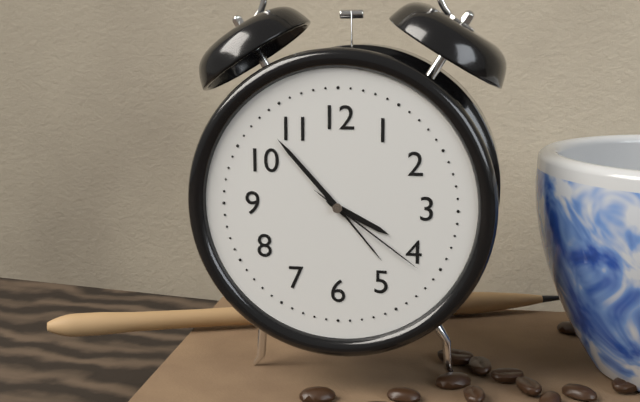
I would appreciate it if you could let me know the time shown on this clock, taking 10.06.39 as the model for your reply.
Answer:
3.53.21
